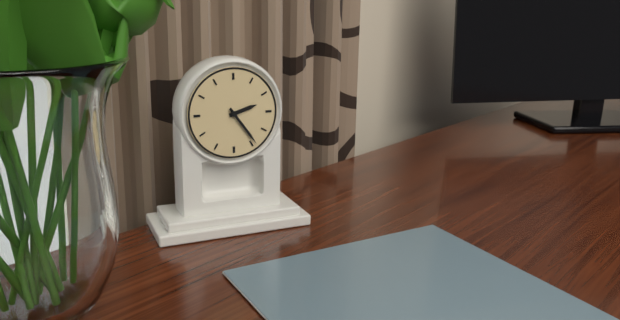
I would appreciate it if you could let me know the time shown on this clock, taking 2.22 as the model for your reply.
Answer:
2.24
